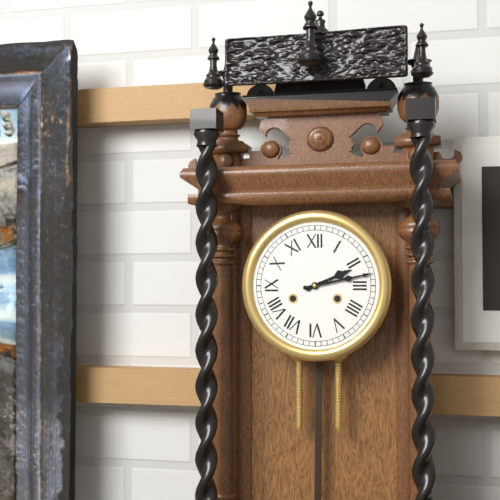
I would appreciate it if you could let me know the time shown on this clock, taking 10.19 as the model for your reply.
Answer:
2.13
